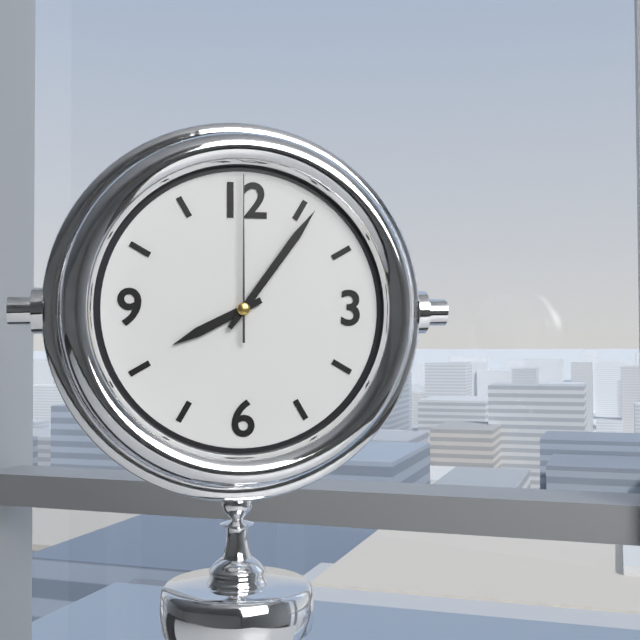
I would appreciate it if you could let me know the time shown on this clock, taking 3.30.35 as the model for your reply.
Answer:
8.06.00
